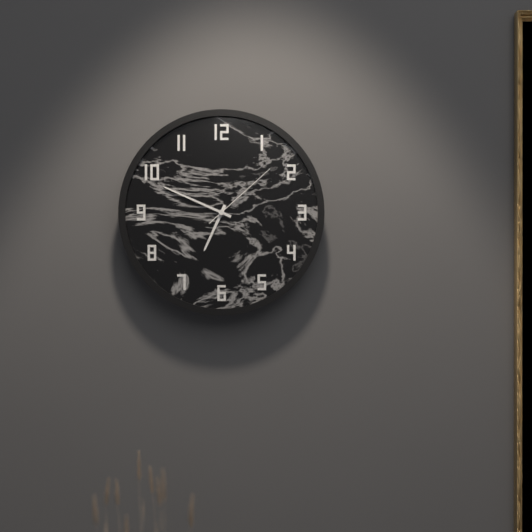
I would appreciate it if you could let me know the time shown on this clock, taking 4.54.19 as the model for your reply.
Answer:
6.49.08
